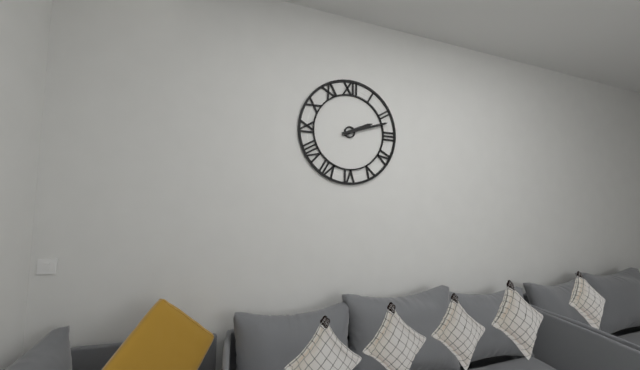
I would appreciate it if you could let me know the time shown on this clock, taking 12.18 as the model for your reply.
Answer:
2.12
